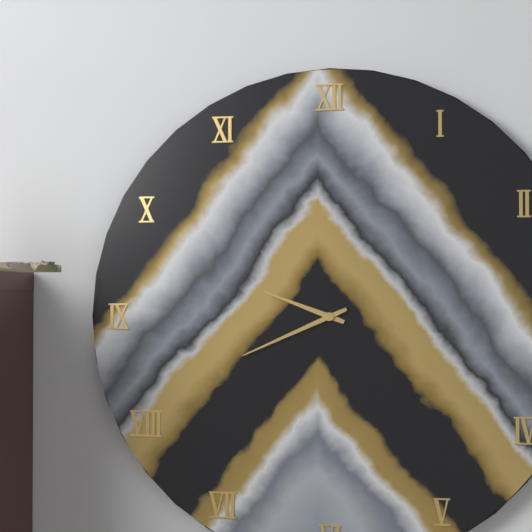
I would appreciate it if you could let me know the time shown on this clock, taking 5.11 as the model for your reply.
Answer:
9.41
